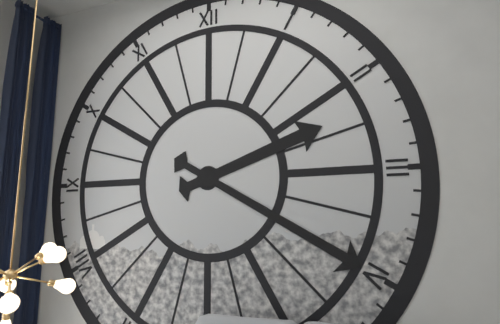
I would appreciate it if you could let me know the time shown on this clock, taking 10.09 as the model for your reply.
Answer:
2.20
